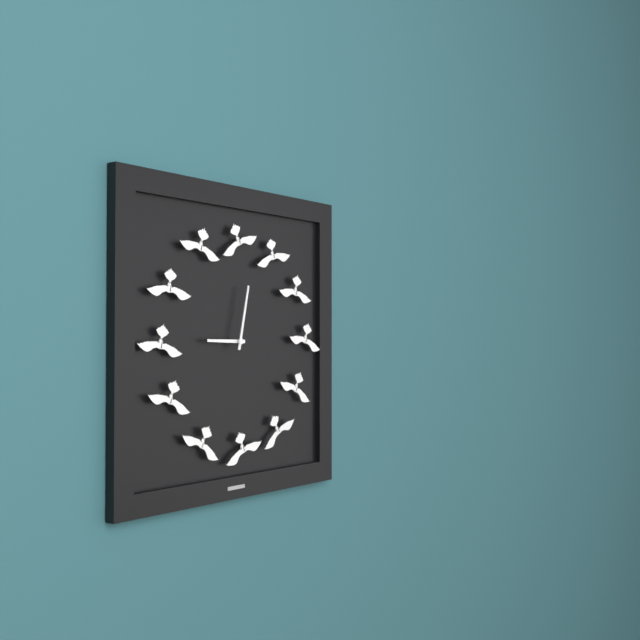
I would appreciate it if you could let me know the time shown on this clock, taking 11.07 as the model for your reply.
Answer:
9.02
